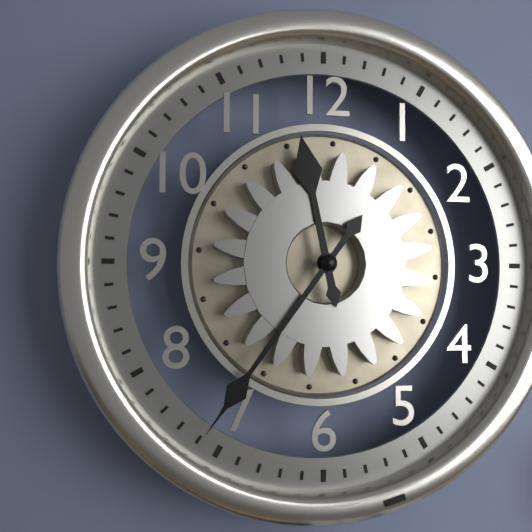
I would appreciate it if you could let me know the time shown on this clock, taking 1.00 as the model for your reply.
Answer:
11.36
